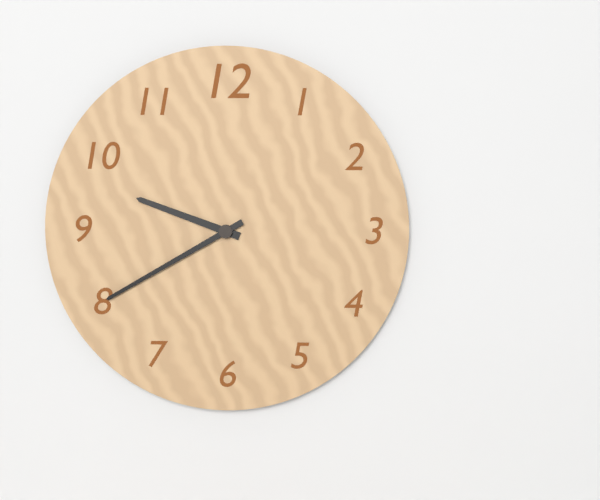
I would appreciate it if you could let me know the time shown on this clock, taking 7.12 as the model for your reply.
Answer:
9.40
